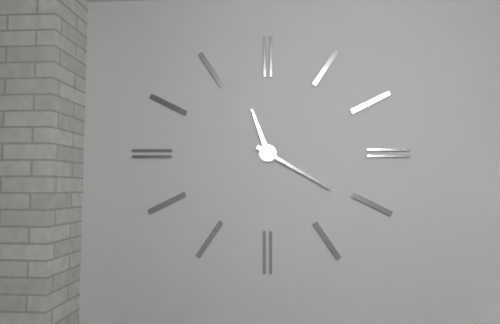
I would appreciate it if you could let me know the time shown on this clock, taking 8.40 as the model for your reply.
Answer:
11.20
